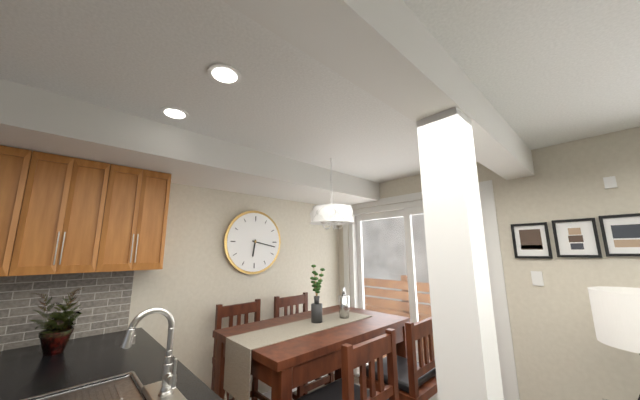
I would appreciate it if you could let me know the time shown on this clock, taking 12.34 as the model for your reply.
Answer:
6.17
